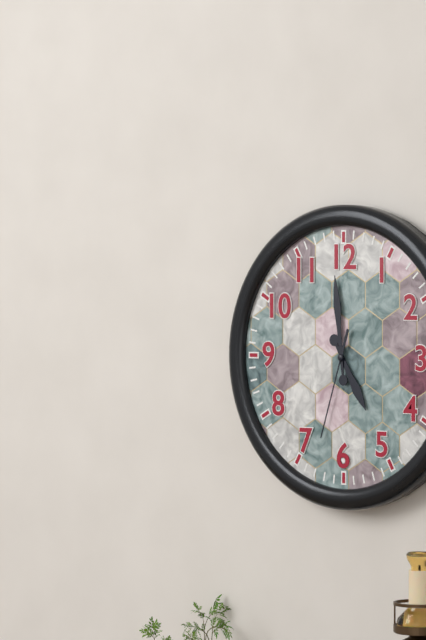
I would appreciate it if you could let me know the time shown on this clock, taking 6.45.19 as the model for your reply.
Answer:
4.59.33
